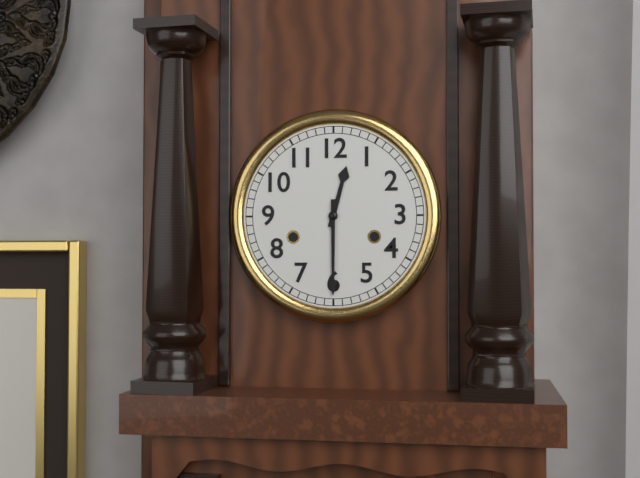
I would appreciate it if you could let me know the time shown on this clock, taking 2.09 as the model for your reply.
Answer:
12.30
